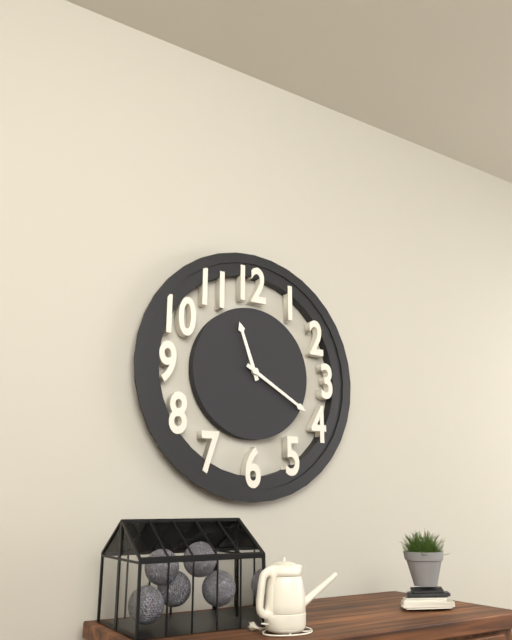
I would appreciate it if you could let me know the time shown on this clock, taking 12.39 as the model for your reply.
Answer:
11.20
